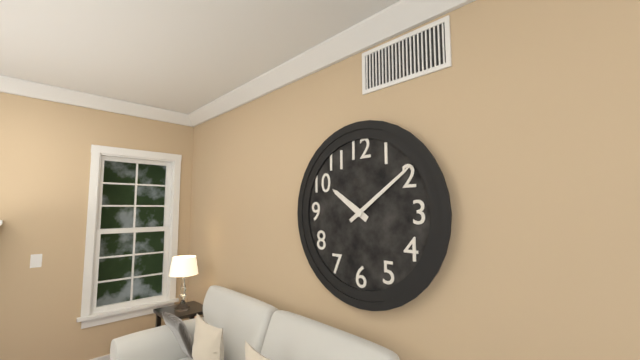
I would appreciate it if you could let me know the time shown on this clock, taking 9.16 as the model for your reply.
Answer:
10.09
